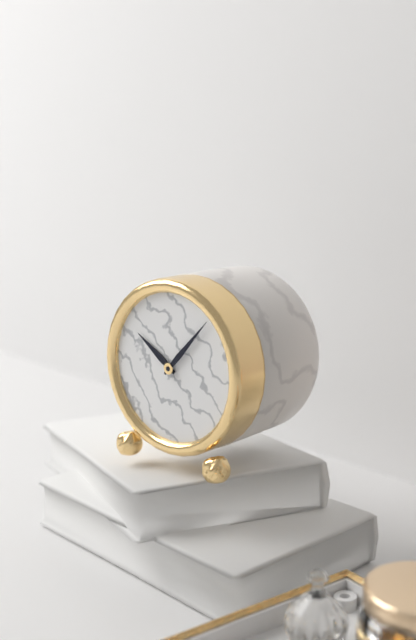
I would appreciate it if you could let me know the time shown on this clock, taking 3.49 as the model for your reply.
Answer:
10.07
